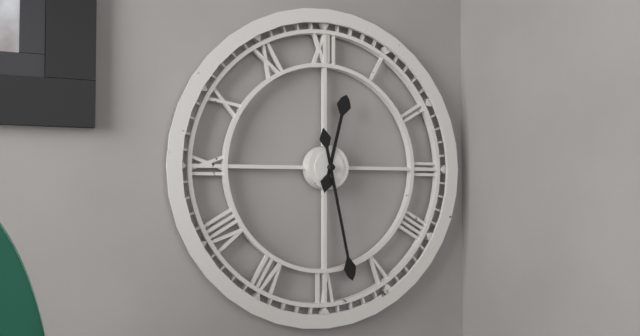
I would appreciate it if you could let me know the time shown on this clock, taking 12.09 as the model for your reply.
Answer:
12.28
